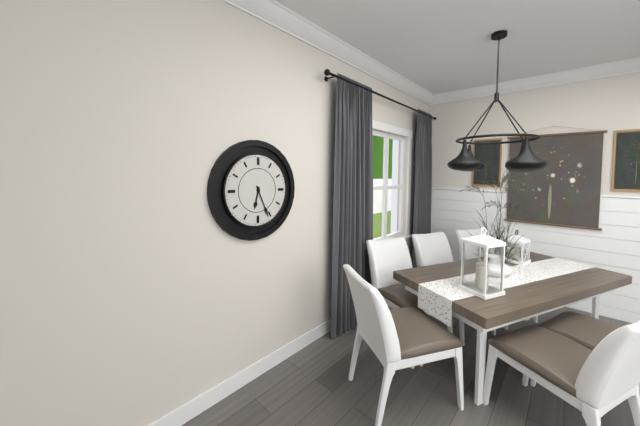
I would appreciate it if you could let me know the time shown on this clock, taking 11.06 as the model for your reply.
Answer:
6.26
